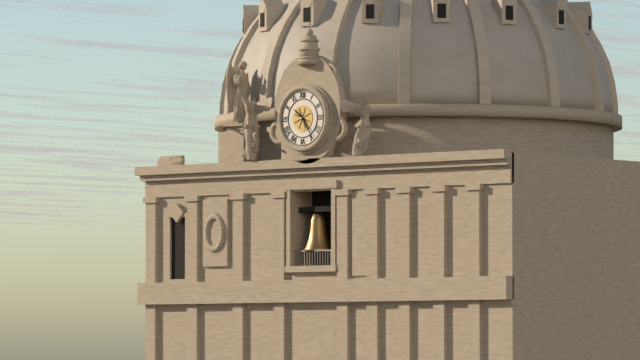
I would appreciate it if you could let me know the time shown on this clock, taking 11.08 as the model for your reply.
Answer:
10.24
